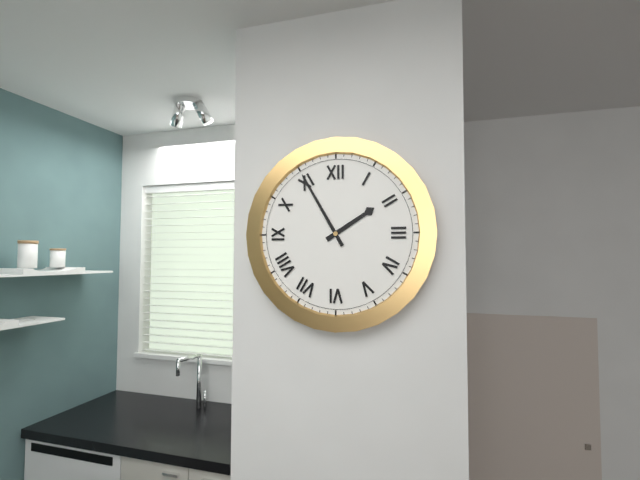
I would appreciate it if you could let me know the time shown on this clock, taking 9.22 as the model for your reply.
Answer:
1.55
